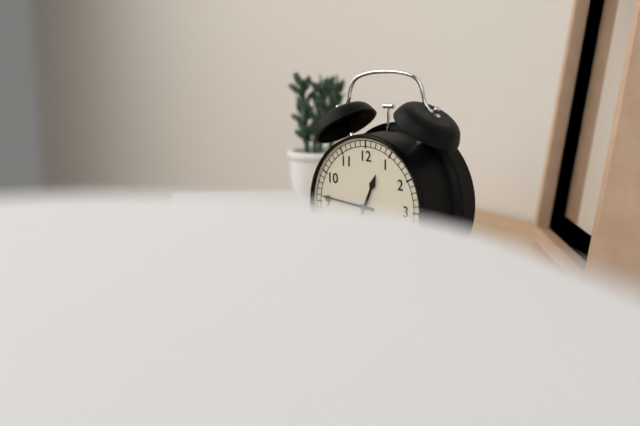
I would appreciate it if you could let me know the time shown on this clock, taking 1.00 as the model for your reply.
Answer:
12.46
